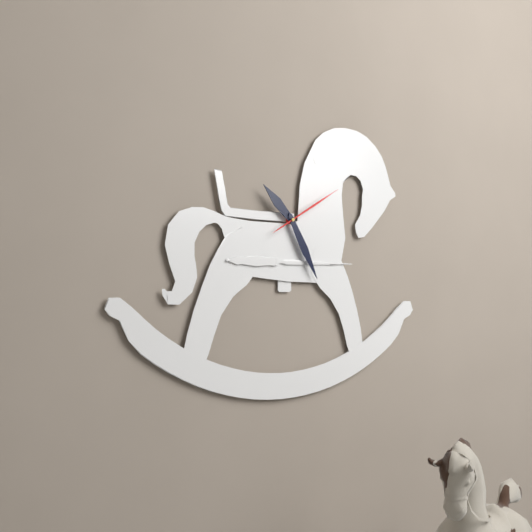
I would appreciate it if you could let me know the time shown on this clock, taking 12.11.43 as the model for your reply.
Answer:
10.25.10
